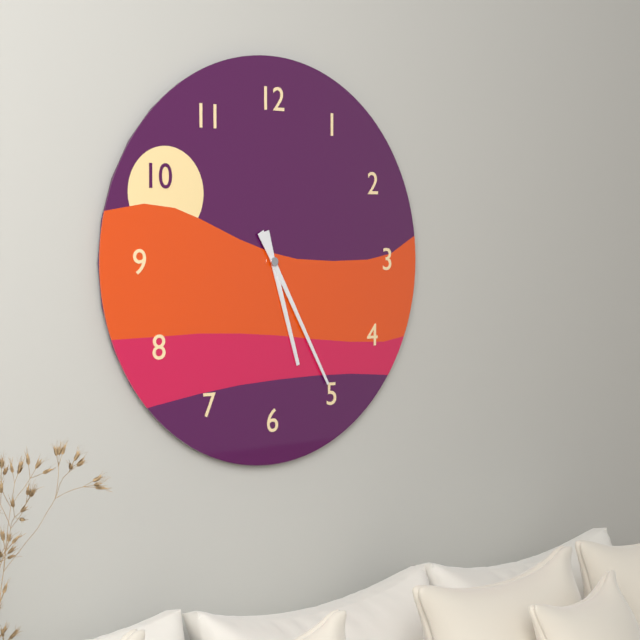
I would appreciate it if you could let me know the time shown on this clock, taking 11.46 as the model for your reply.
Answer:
5.25
